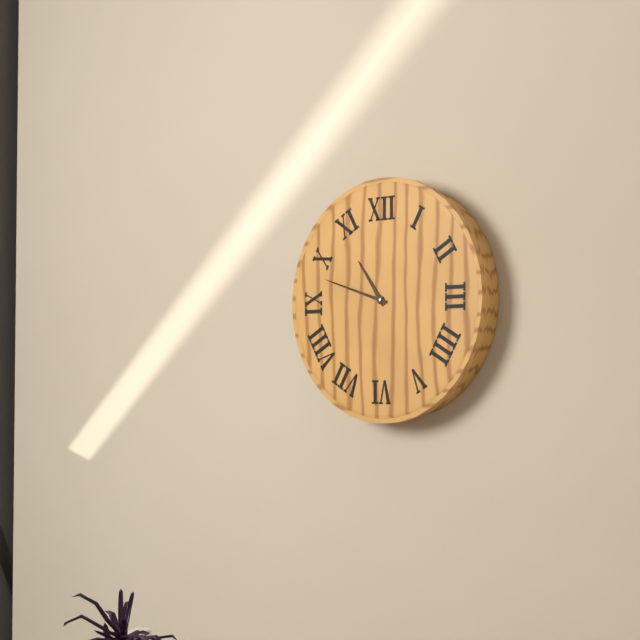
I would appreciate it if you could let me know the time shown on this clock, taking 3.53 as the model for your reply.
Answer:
10.48
